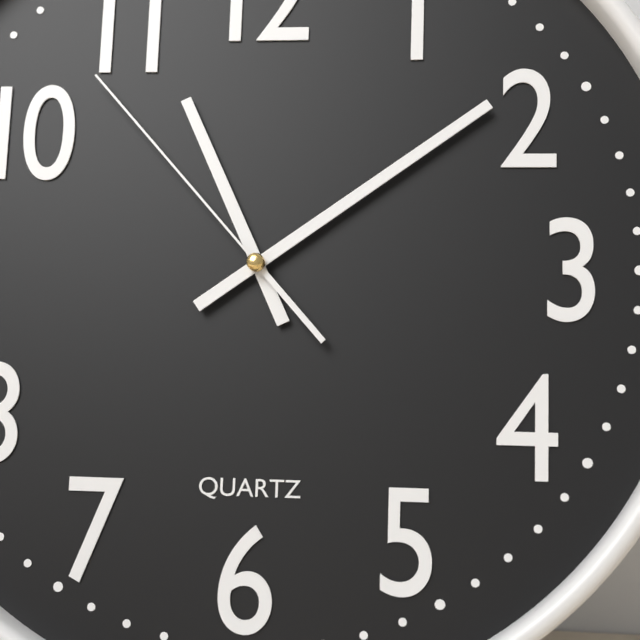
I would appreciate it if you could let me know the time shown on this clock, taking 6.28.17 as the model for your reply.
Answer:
11.09.53
